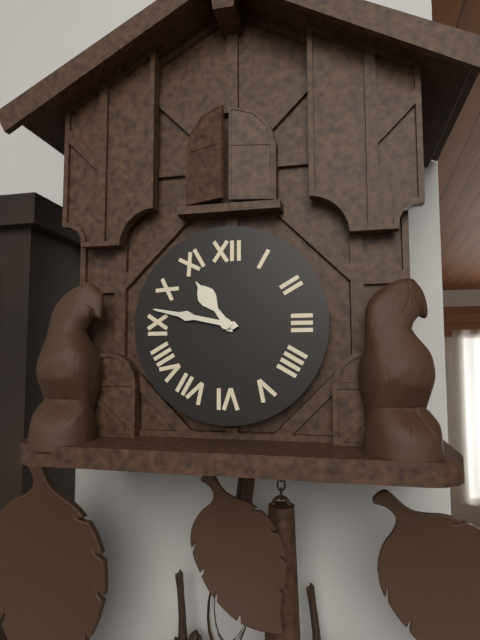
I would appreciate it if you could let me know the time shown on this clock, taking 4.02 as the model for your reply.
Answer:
10.47
